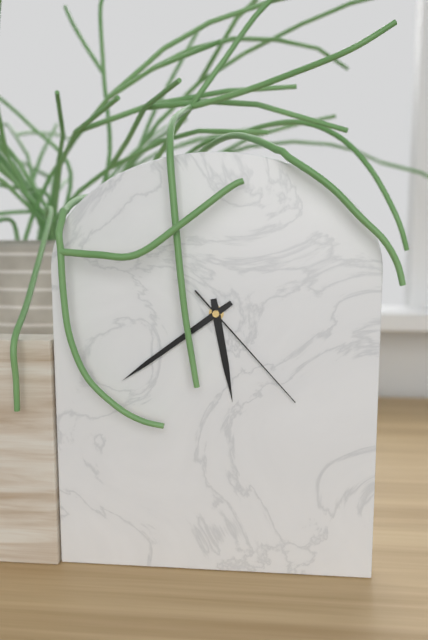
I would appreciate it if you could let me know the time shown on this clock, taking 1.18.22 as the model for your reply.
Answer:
5.39.23
